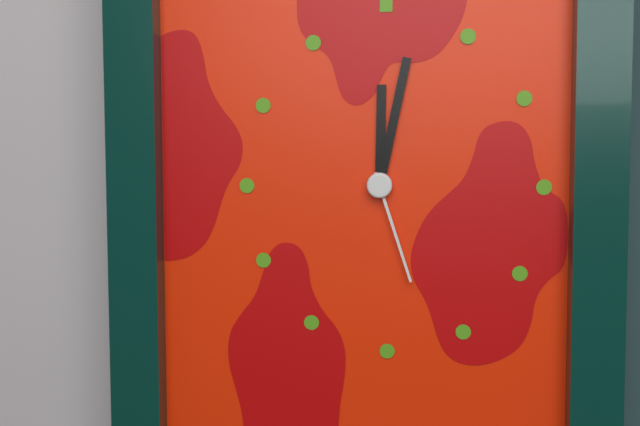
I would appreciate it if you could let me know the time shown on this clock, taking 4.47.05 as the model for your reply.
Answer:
12.02.27
